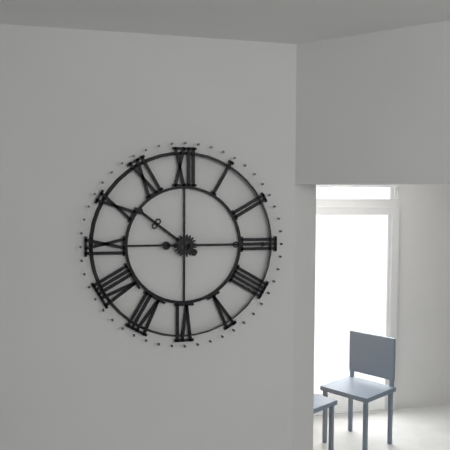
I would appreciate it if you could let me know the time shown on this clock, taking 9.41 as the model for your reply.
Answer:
10.15
